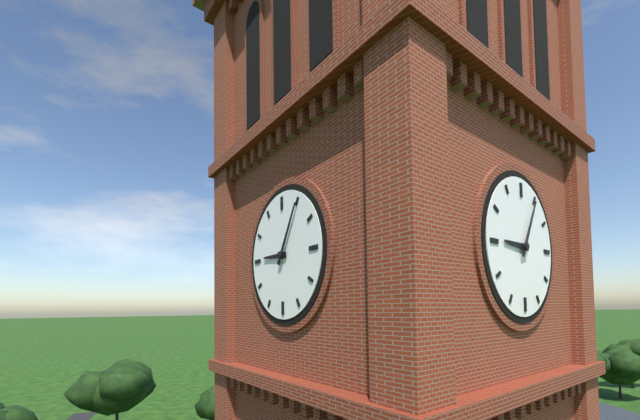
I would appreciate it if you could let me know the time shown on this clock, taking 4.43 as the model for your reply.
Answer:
9.05
